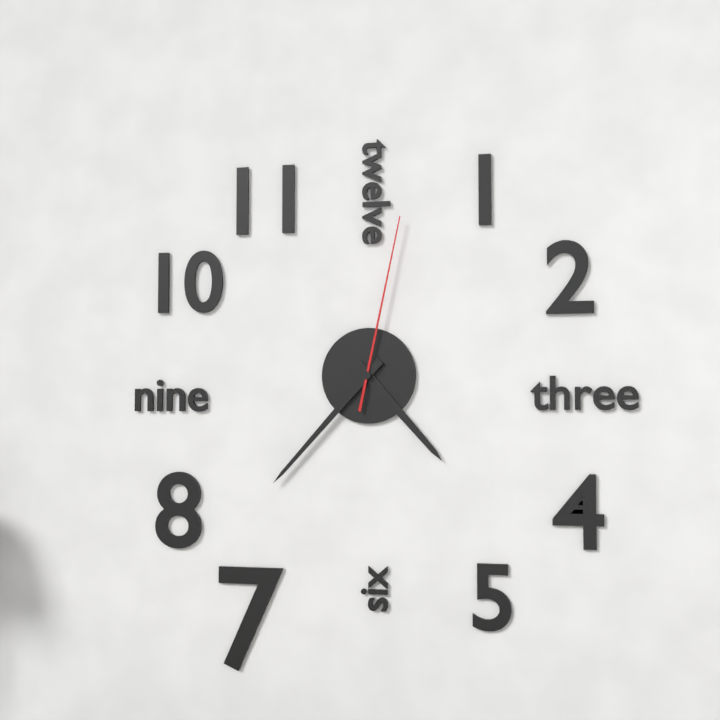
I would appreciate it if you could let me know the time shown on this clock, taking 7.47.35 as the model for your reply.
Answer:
4.37.02
